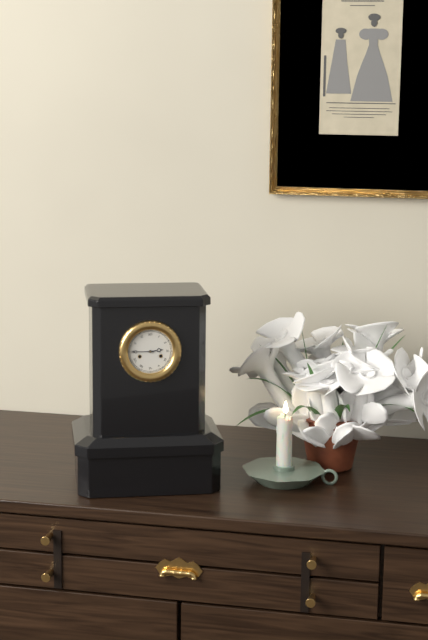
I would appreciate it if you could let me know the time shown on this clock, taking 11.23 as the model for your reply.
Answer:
2.45
